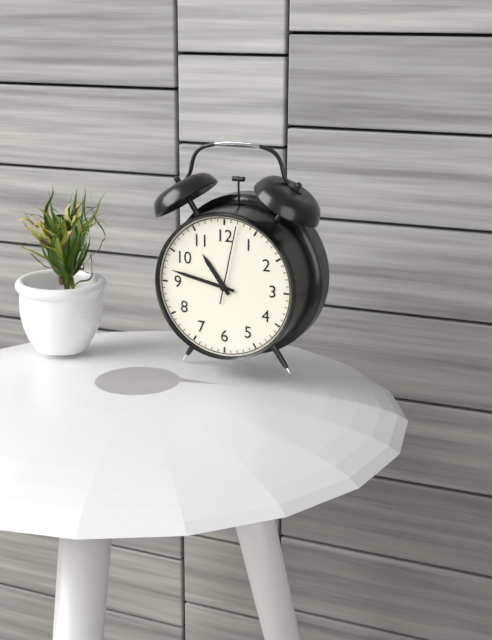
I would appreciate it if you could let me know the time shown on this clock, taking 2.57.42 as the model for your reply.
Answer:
10.47.02
